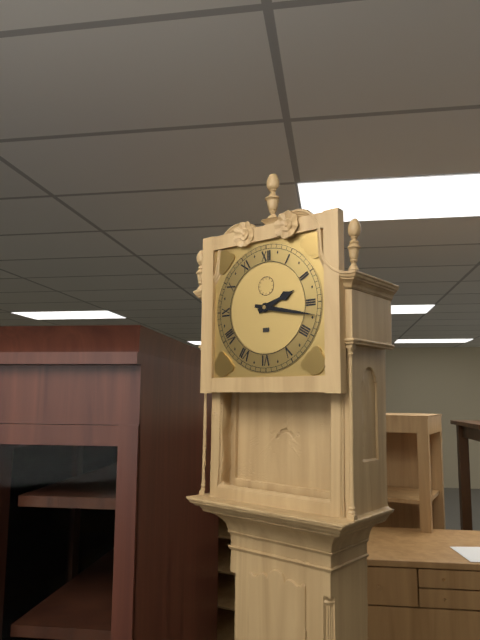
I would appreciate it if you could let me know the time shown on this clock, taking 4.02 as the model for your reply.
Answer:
2.17
